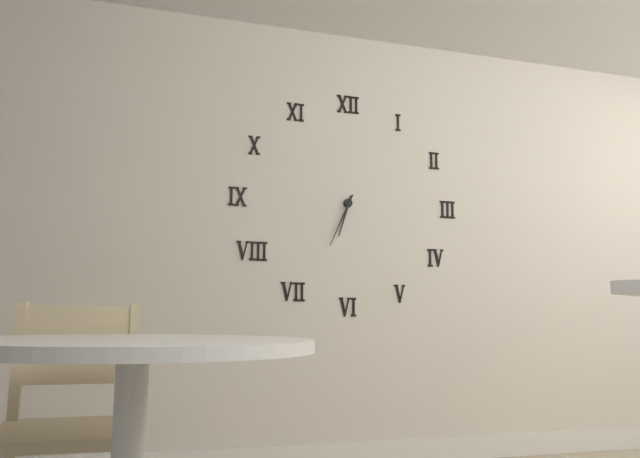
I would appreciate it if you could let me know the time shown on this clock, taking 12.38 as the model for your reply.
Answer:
6.34
